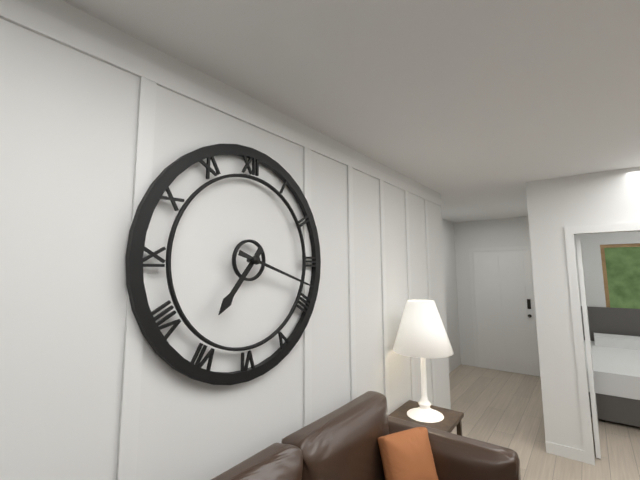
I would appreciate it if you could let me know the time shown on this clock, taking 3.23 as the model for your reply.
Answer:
7.18
